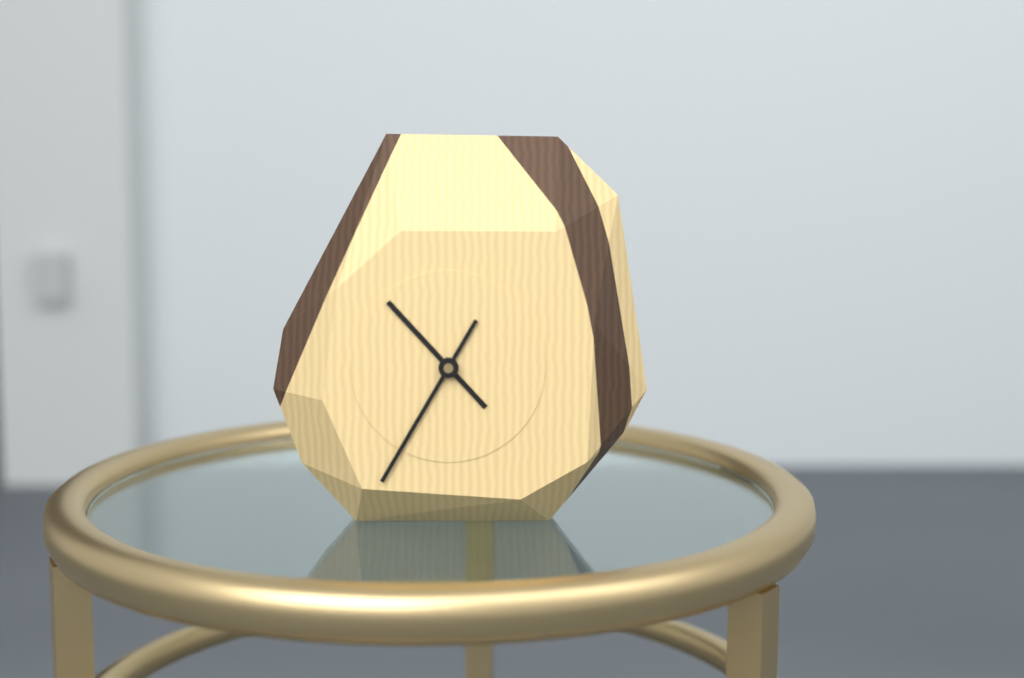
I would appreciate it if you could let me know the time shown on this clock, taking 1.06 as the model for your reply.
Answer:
10.35
